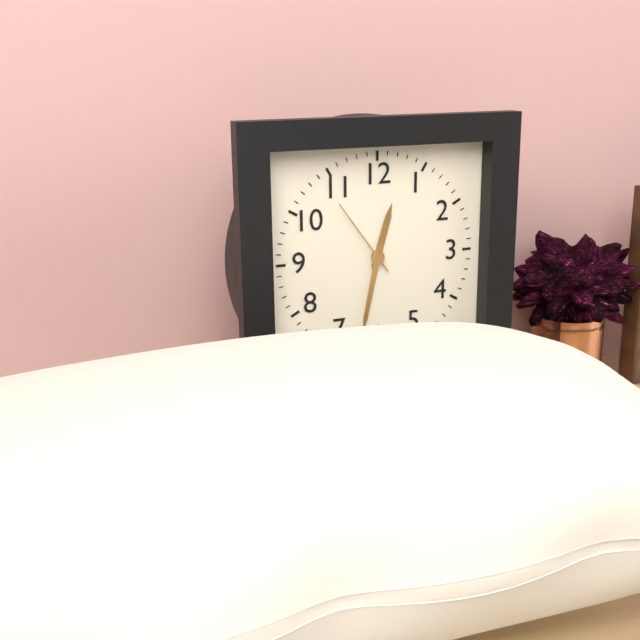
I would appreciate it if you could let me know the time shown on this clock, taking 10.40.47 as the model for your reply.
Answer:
12.32.54
